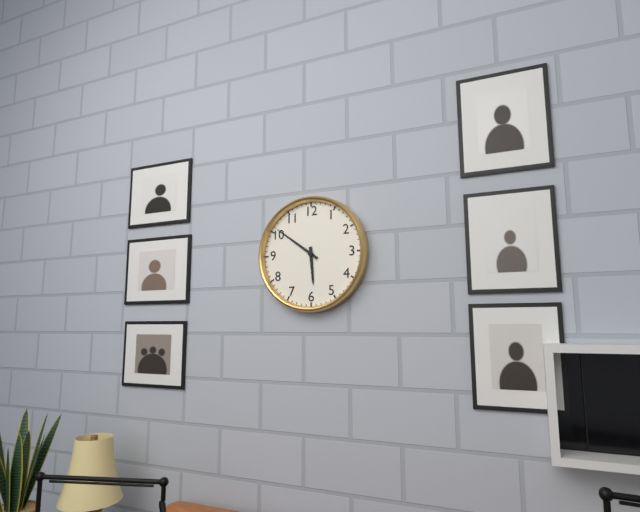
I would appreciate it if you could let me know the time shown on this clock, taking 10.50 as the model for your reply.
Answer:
5.51
